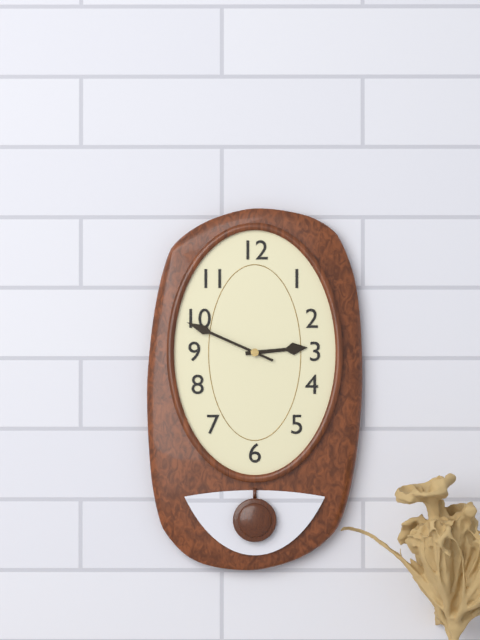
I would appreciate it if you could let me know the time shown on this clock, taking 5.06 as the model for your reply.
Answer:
2.49
